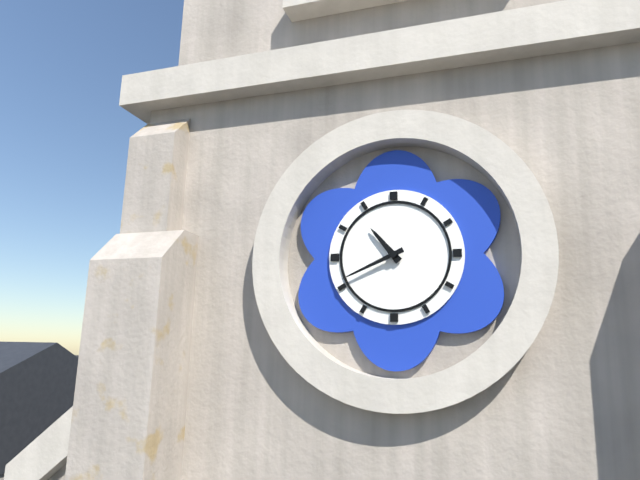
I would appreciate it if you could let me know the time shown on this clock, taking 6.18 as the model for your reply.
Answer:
10.41
